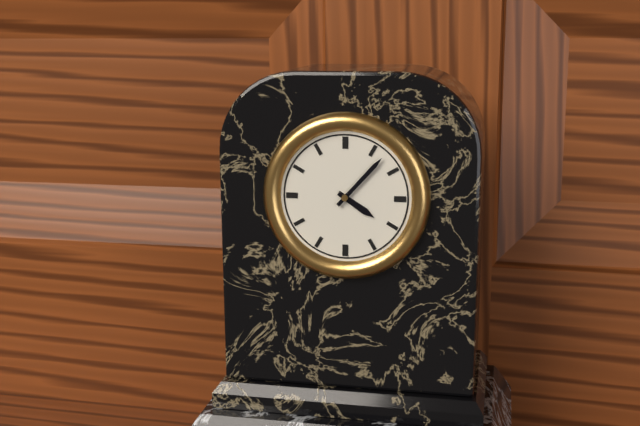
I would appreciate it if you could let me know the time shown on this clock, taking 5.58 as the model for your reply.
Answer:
4.07
